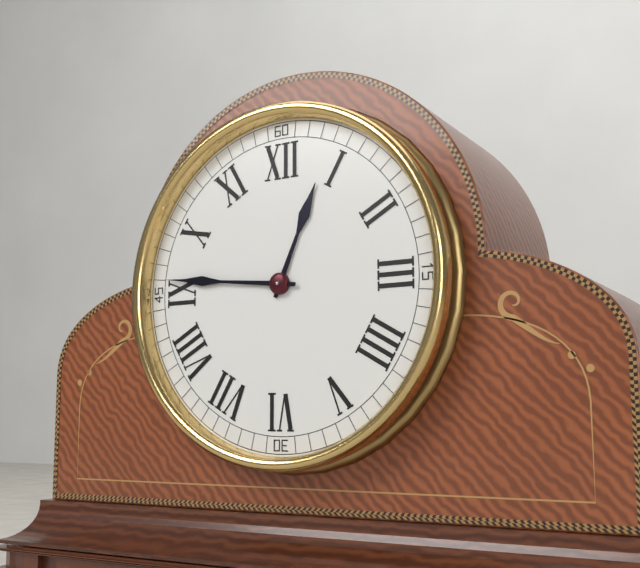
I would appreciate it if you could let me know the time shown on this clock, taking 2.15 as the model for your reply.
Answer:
12.46
